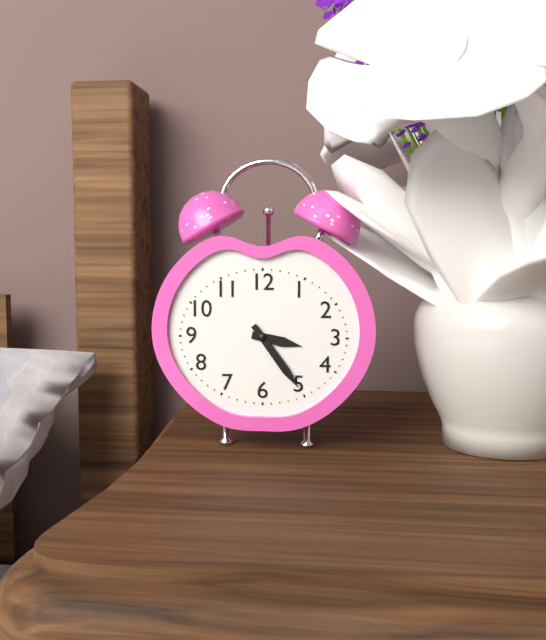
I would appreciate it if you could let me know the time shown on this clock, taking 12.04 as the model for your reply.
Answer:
3.24
